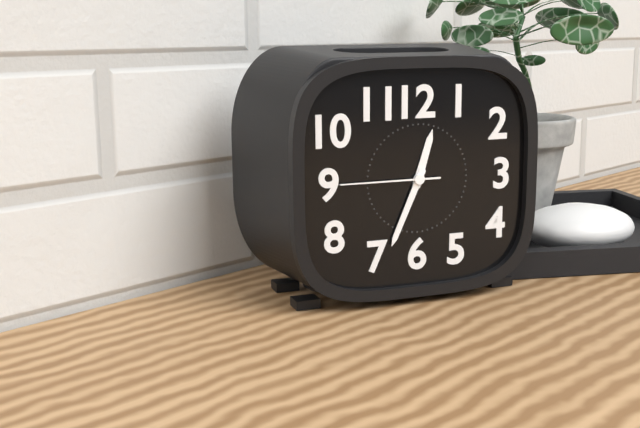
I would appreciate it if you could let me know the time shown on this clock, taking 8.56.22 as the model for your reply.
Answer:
12.34.45
